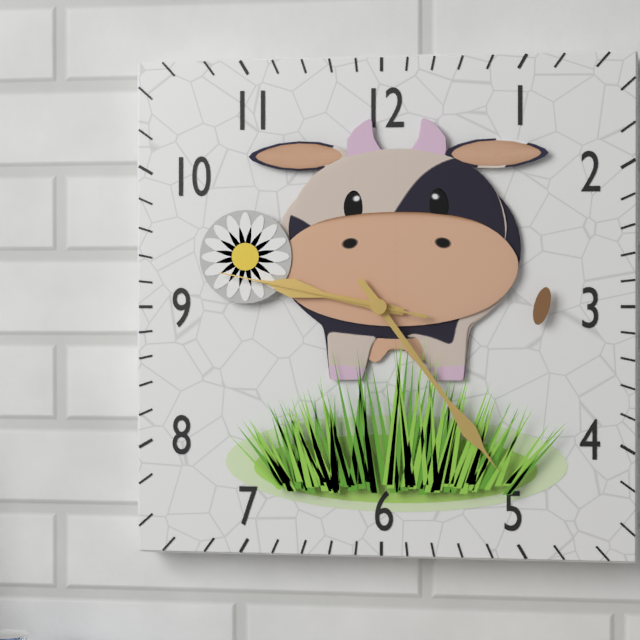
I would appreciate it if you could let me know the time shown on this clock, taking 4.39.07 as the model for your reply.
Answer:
9.24.47
